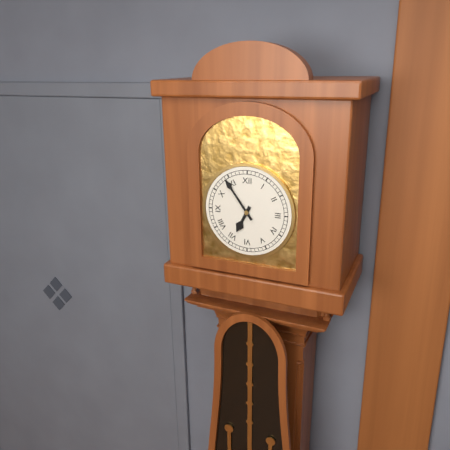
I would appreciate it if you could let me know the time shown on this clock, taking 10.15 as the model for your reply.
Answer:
6.54
